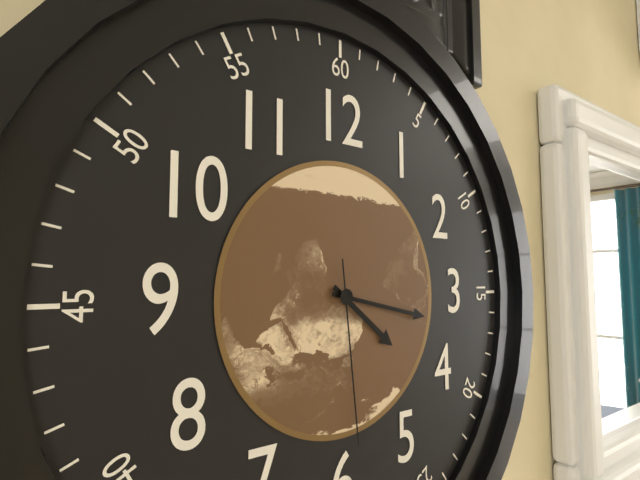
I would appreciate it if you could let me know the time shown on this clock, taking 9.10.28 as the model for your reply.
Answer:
4.17.29
